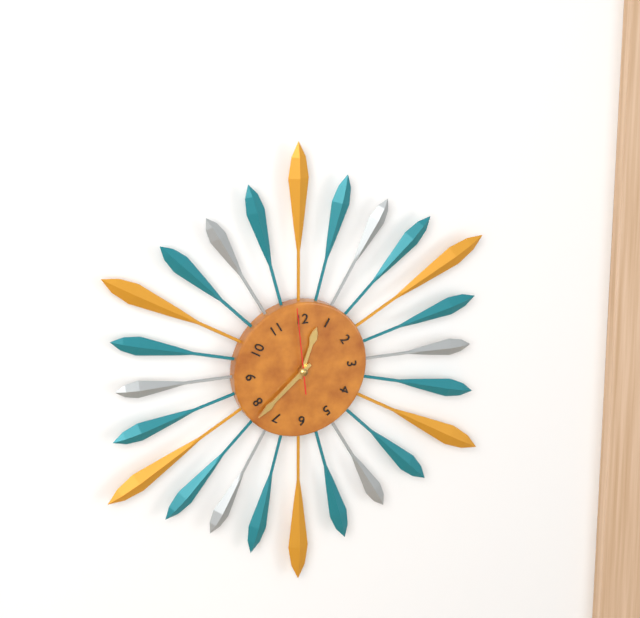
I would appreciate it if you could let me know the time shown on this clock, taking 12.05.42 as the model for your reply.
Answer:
12.38.59
